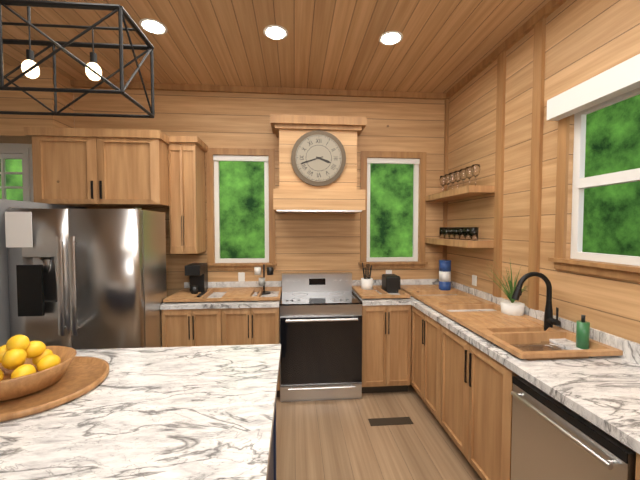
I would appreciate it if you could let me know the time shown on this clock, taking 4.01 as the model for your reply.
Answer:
3.42
